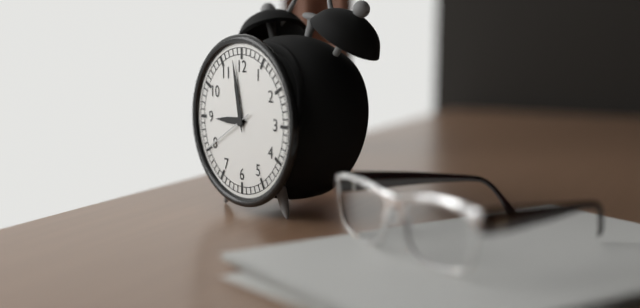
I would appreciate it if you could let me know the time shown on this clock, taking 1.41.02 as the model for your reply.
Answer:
8.58.40
